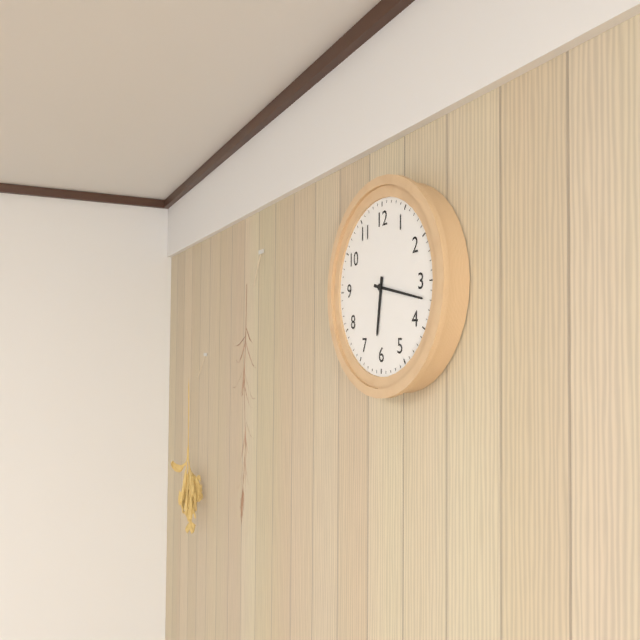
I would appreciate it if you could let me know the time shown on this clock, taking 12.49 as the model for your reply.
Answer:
6.17
